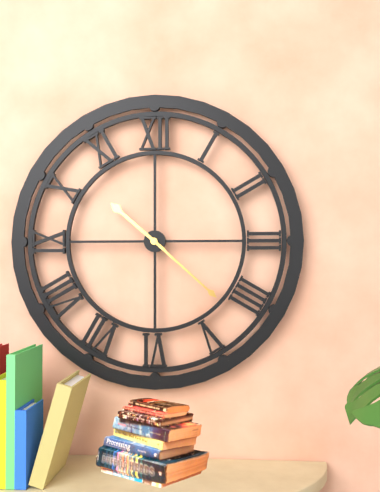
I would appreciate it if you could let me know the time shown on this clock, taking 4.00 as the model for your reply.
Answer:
10.22
